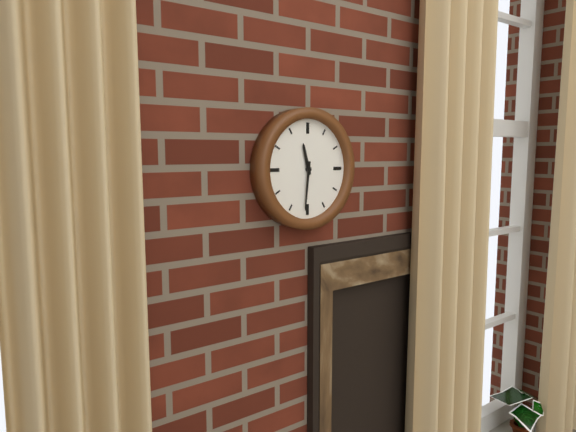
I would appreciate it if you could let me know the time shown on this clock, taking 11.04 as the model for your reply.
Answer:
11.31
